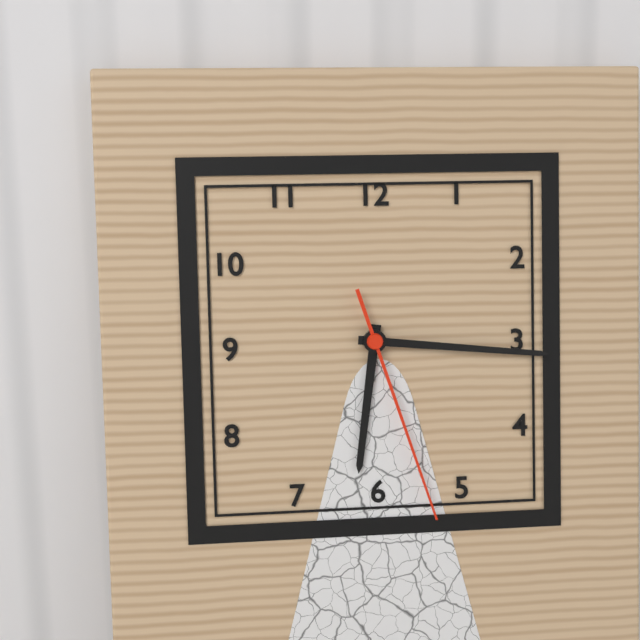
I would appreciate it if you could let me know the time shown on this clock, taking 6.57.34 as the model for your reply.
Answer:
6.16.27
